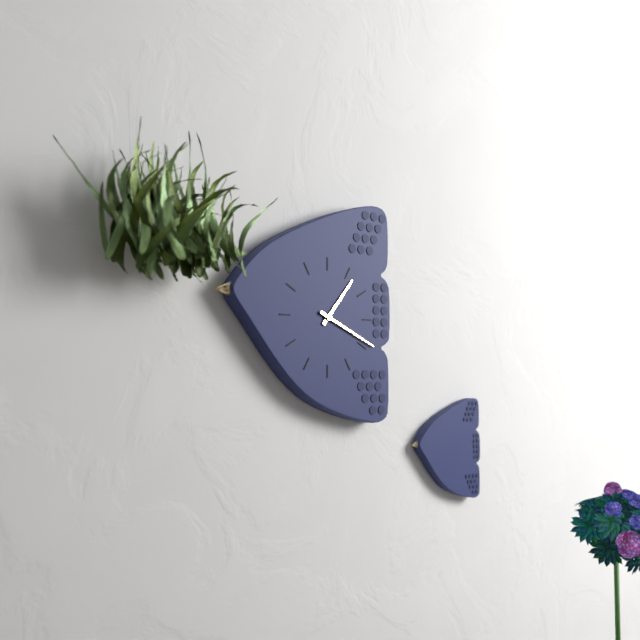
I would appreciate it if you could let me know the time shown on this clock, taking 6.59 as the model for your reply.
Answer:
1.19
